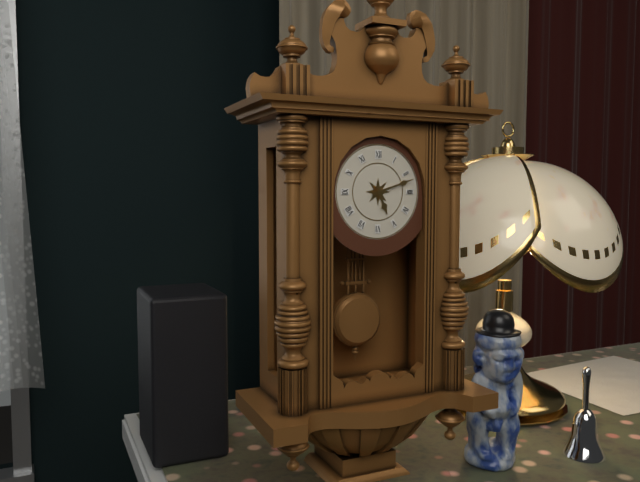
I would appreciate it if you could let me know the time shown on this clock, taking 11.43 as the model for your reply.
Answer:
5.12
